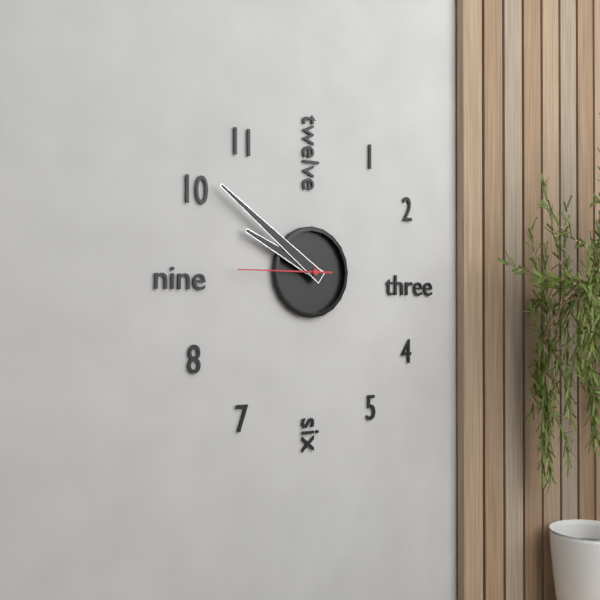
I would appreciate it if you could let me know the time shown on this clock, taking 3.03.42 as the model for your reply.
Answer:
9.51.45
